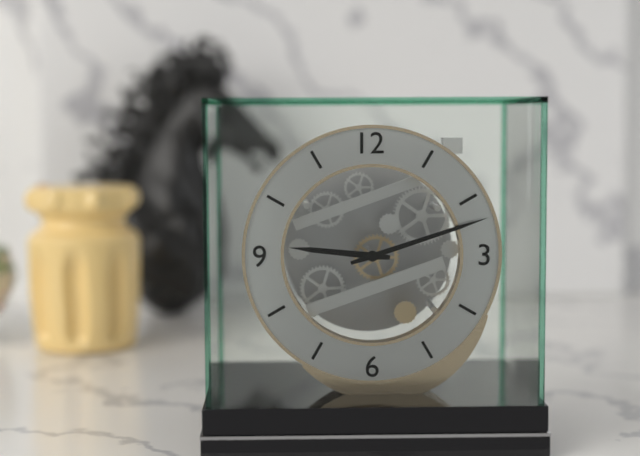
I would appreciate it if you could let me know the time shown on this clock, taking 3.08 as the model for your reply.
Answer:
9.12
